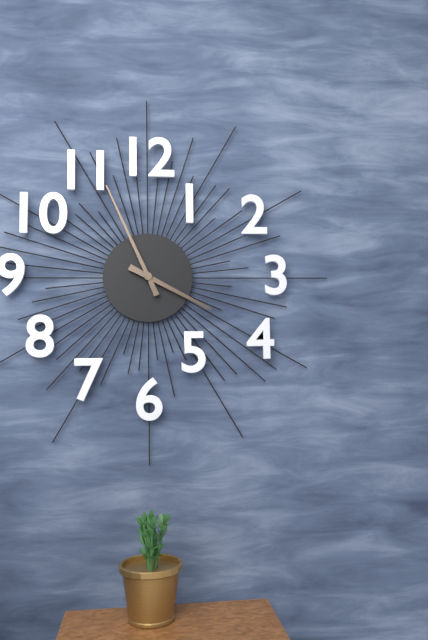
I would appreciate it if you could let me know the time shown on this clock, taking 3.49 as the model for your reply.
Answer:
3.56
